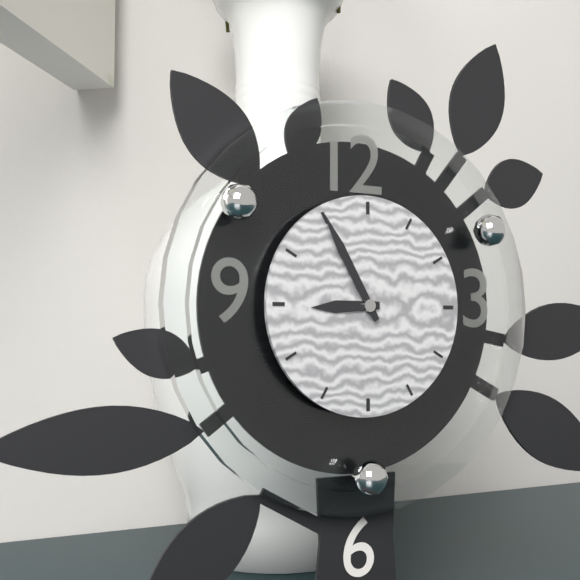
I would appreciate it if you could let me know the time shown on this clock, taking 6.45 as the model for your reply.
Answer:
8.55
